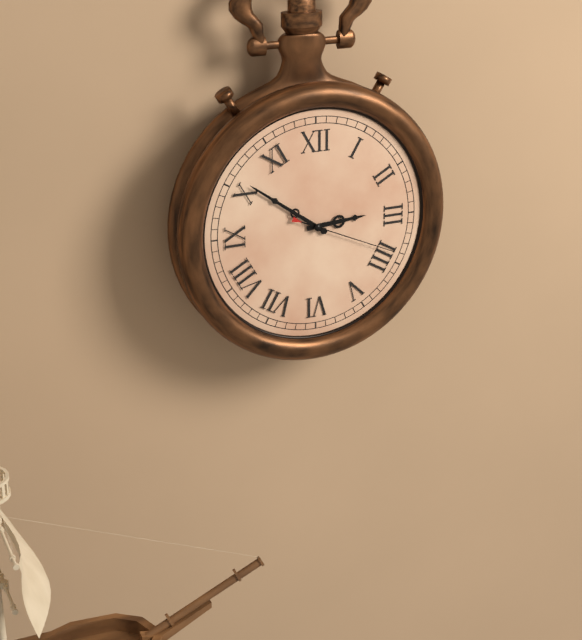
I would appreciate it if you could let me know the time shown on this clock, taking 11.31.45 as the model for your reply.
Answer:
2.51.19
